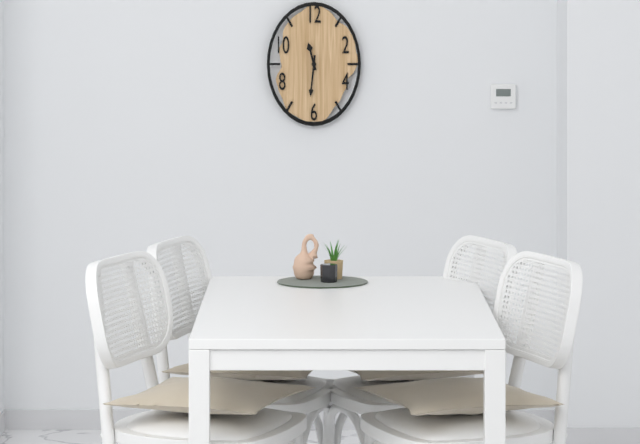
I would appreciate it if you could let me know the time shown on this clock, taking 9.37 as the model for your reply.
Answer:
11.31
